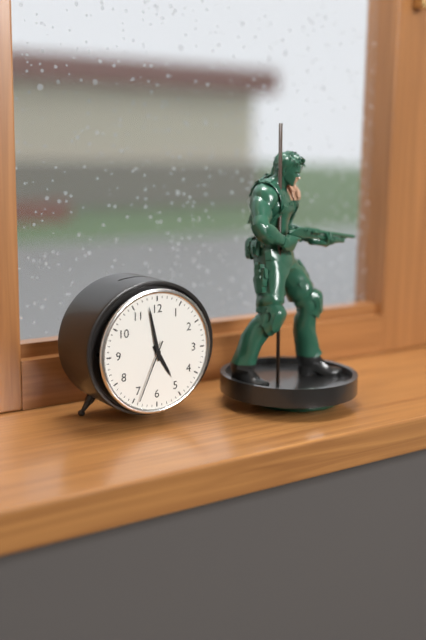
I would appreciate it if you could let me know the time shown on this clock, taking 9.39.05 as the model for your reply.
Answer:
4.58.34
